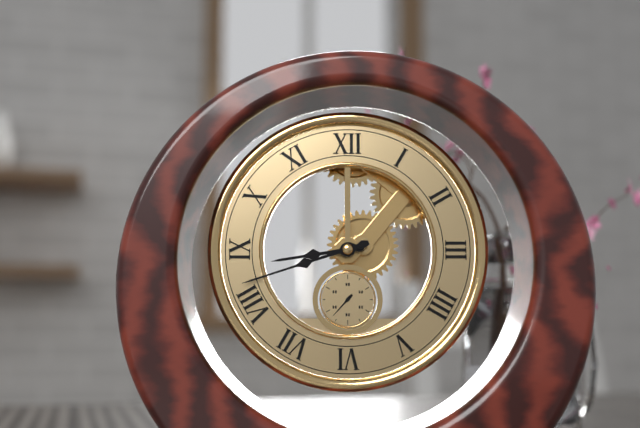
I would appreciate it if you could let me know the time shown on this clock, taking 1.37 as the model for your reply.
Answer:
8.42
